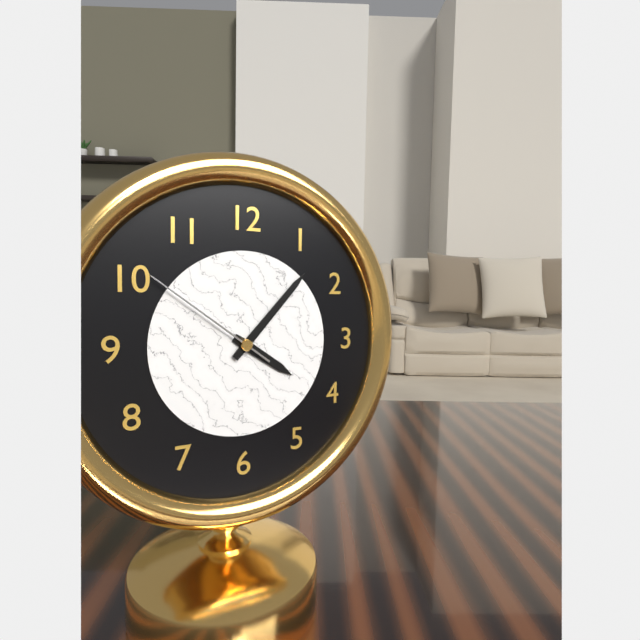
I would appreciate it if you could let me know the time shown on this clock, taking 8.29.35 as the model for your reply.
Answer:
4.07.51
